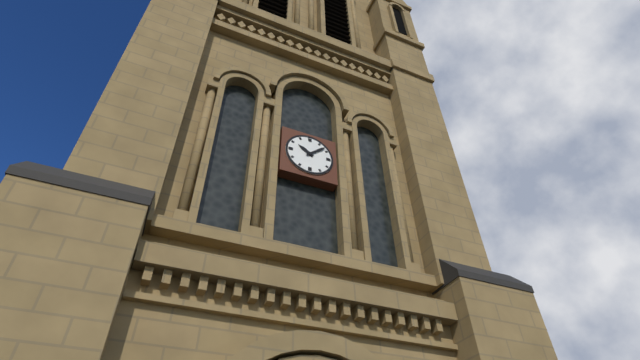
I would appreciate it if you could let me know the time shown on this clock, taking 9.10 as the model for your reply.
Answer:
10.08
